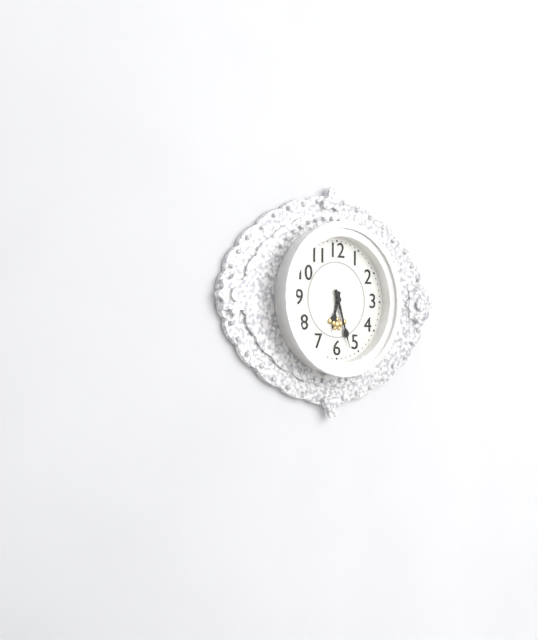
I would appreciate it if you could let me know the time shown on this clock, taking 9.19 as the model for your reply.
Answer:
6.27
